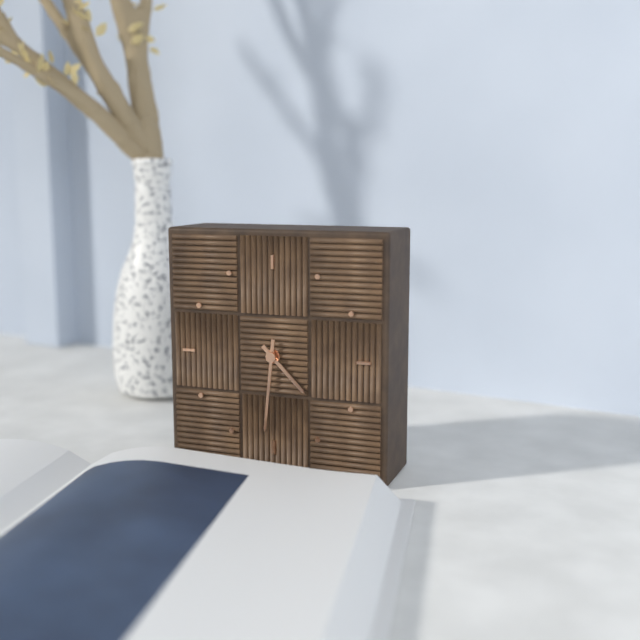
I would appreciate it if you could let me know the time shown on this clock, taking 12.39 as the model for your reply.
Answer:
4.31
